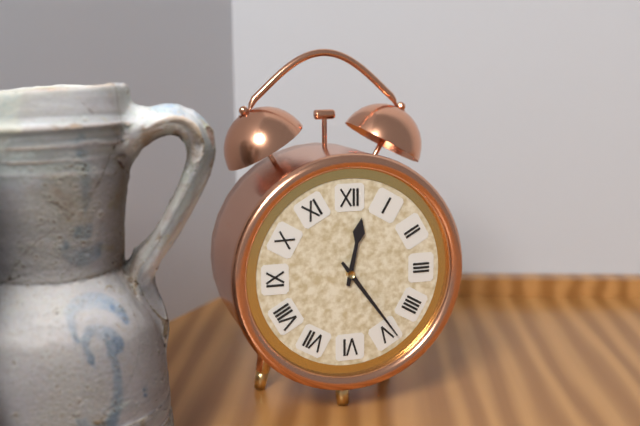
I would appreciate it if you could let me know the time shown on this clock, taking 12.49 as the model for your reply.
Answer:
12.24
